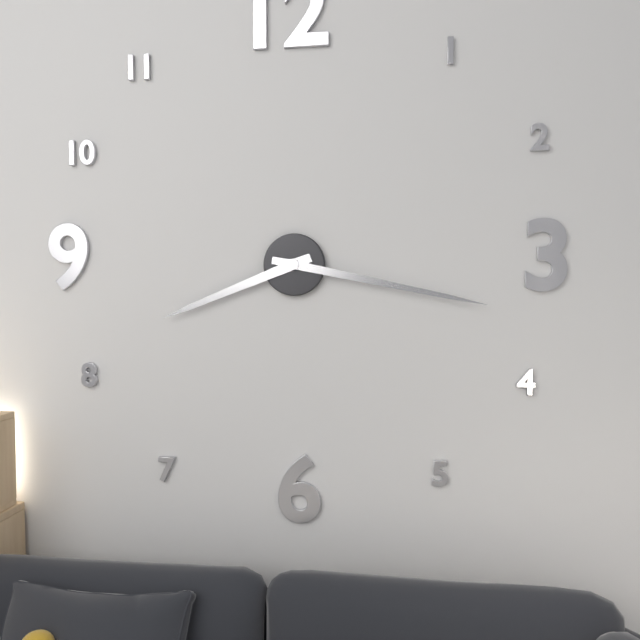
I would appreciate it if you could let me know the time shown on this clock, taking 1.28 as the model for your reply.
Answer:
8.17
